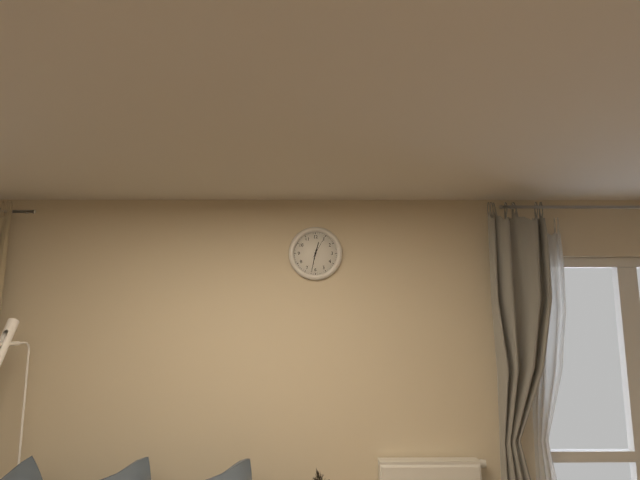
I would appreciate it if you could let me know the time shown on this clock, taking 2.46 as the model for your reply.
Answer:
12.32
